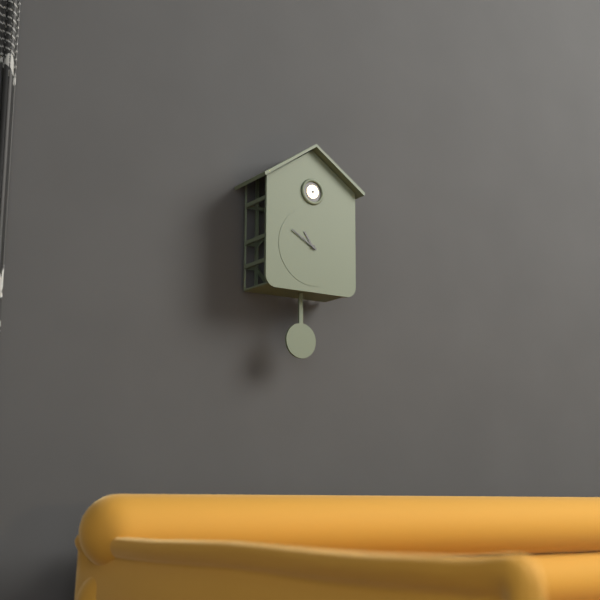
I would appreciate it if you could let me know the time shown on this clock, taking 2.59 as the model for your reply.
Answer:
10.50
